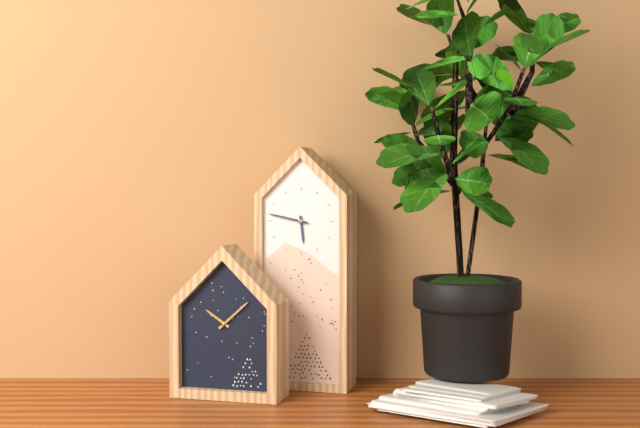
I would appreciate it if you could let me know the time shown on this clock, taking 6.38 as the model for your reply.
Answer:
5.47
